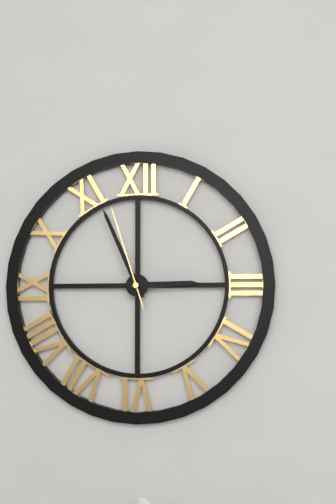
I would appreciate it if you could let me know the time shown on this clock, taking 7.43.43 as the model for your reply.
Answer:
2.56.57
